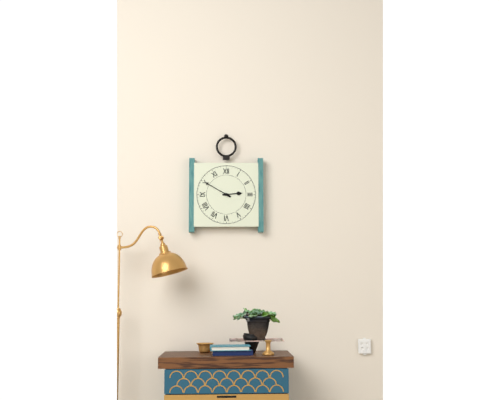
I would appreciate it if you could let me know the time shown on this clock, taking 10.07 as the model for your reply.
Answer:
2.50
